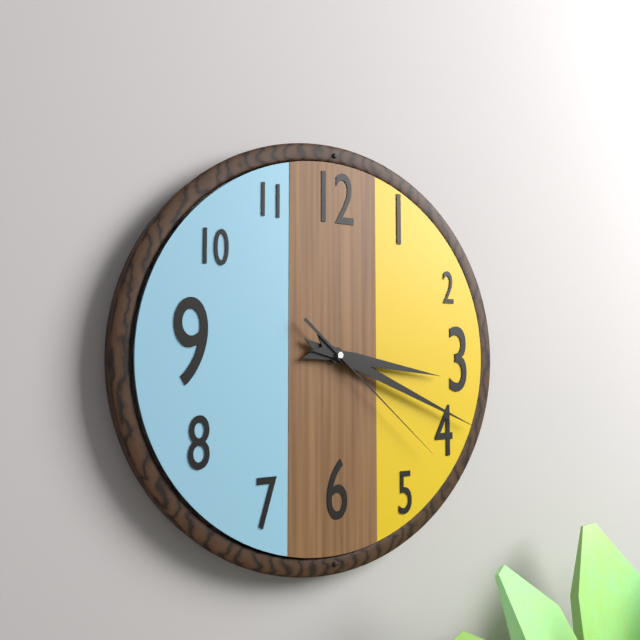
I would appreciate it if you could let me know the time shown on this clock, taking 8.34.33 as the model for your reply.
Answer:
3.19.22
